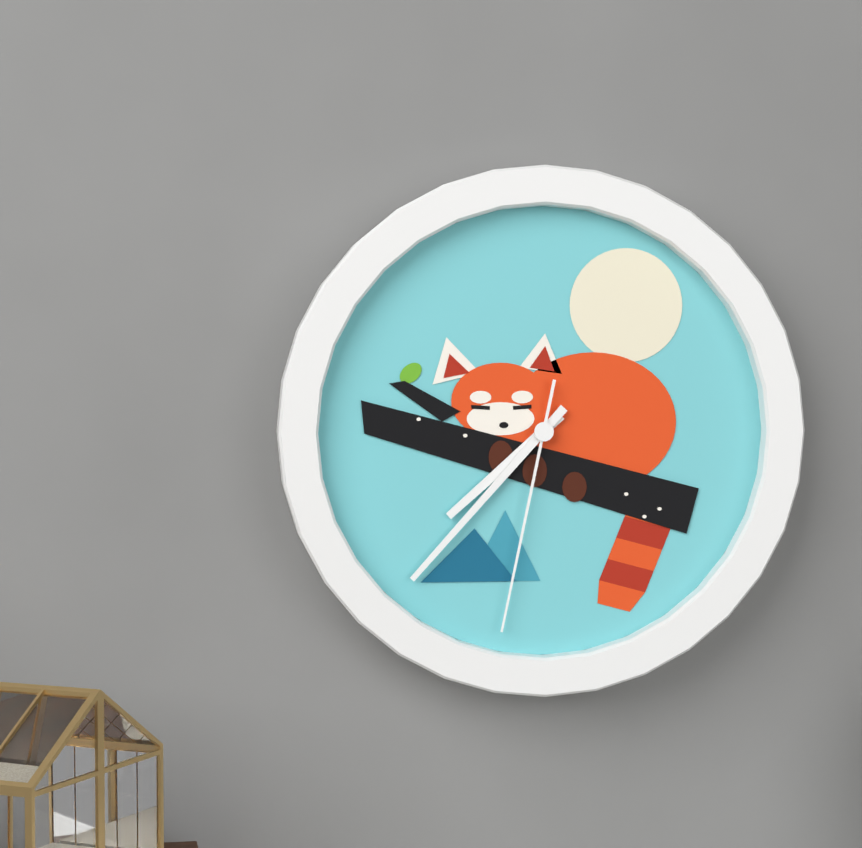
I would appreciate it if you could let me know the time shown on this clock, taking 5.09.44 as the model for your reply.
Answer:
7.37.32
